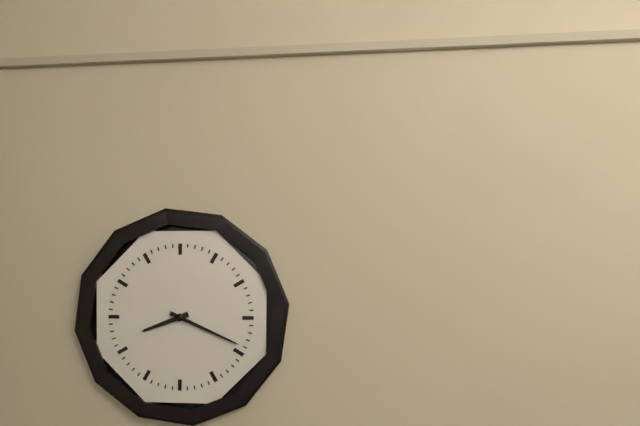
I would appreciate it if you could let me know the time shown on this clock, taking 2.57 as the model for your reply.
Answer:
8.19
